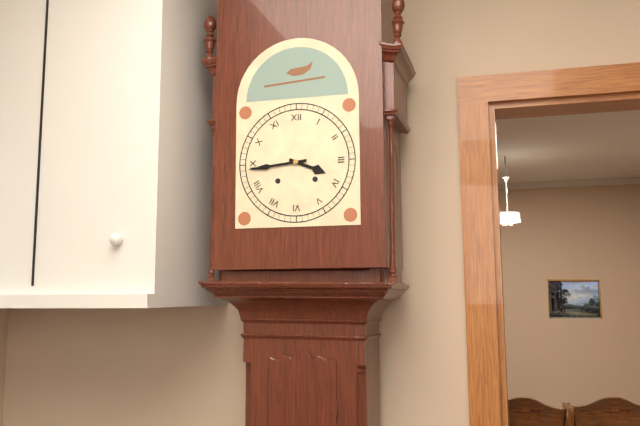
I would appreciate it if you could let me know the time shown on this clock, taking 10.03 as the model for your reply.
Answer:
3.44
